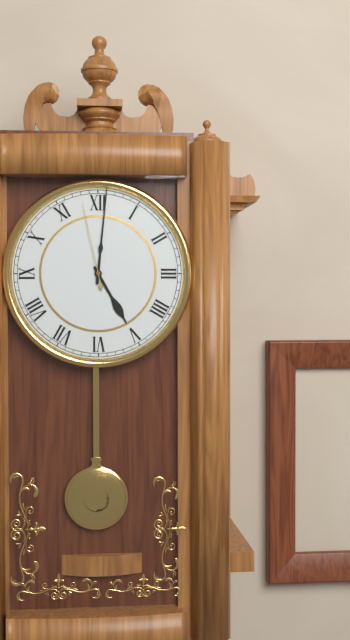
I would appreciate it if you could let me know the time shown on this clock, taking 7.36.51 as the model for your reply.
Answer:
5.01.58
